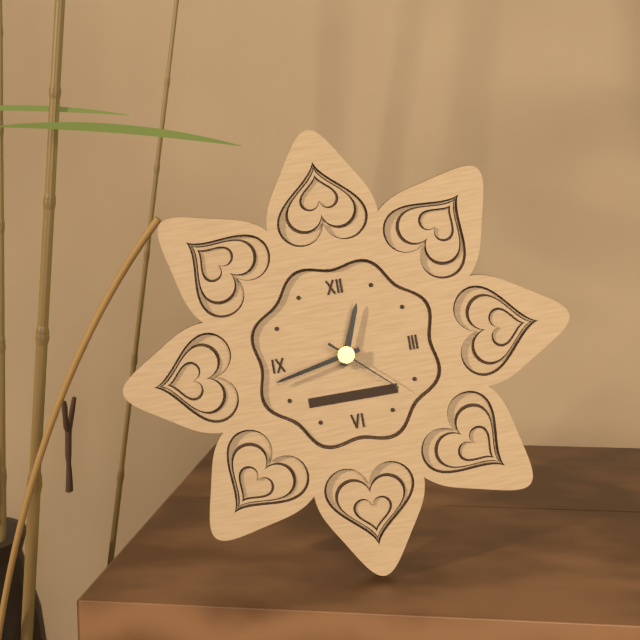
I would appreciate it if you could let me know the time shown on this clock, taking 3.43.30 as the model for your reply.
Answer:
12.43.22
